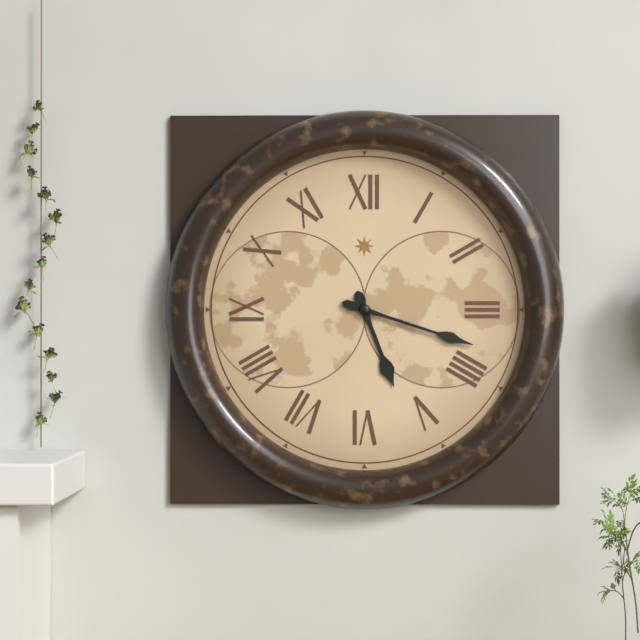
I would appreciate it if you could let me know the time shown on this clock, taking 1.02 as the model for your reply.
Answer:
5.18
